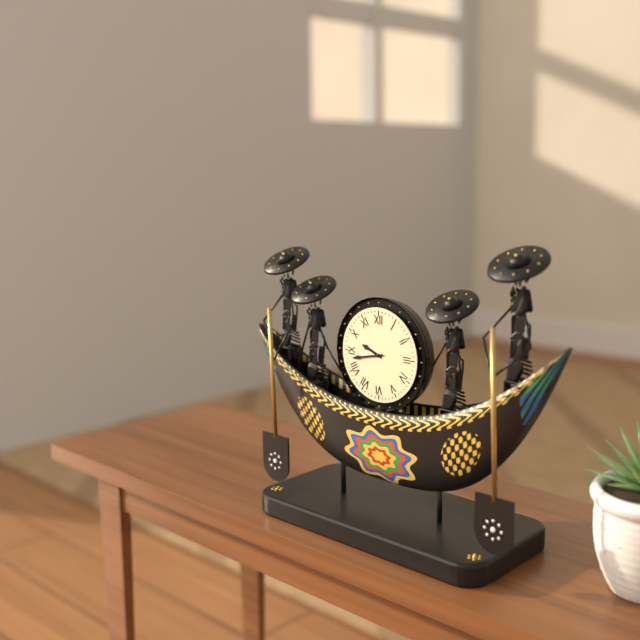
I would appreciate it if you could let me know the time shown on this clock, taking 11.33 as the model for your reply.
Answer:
9.43
